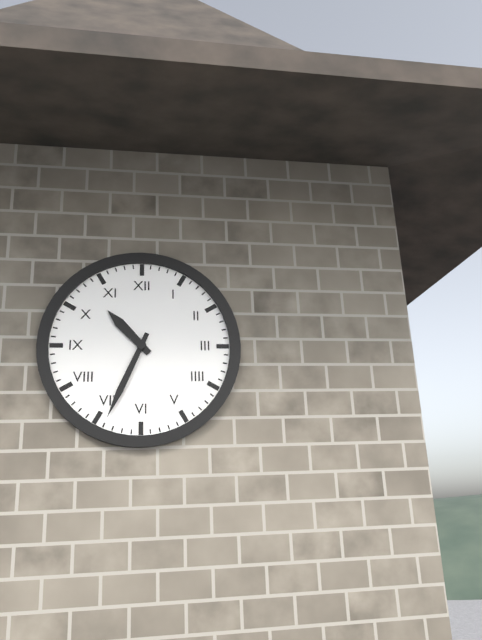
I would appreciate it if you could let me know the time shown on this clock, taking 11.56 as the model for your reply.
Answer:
10.34
